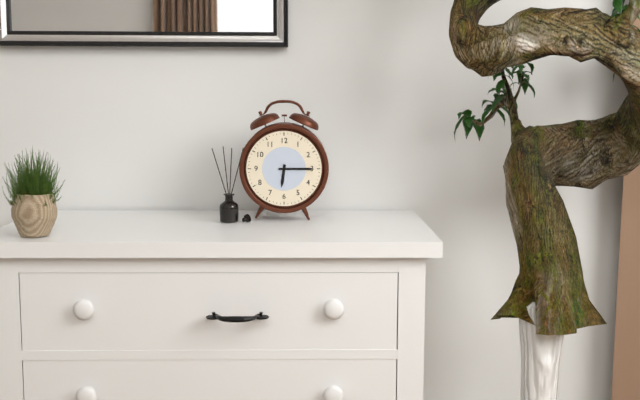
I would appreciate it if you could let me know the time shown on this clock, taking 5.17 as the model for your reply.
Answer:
6.15
